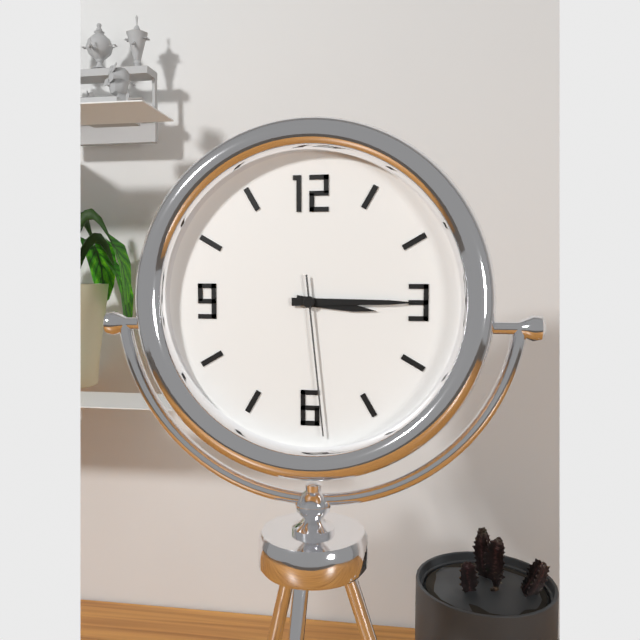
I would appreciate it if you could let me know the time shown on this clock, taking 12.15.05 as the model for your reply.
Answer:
3.15.29
